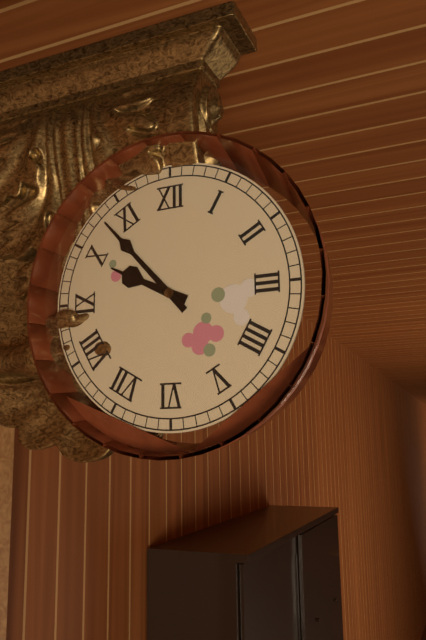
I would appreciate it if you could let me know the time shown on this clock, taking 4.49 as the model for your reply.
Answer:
9.53
